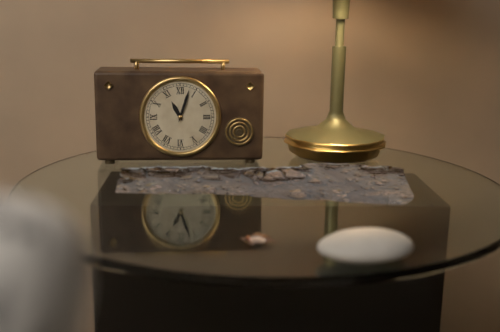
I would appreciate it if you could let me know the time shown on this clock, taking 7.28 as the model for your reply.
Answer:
11.03
